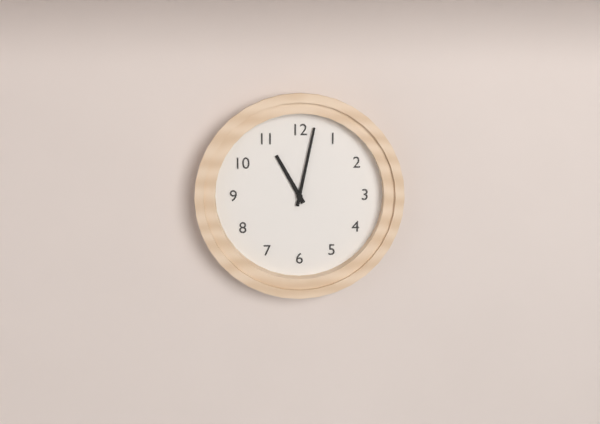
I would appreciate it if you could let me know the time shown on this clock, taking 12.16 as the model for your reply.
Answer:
11.02
